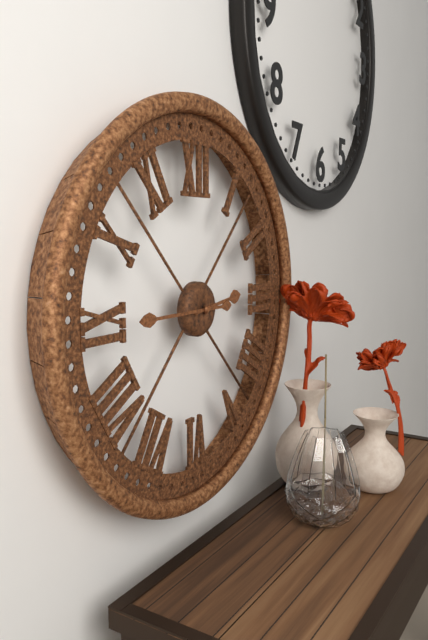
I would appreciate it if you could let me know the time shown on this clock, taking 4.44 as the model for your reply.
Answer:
2.45
